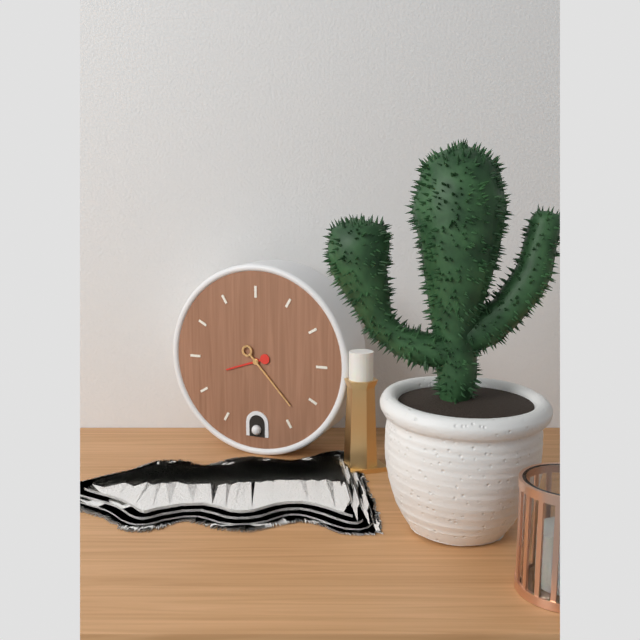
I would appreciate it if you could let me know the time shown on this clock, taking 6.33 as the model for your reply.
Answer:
8.23
